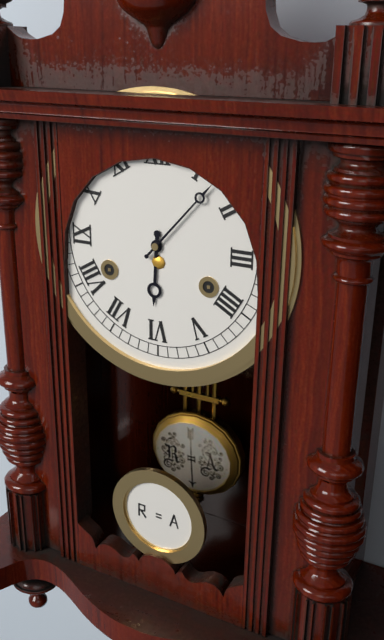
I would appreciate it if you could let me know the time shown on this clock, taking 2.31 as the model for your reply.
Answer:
6.07
